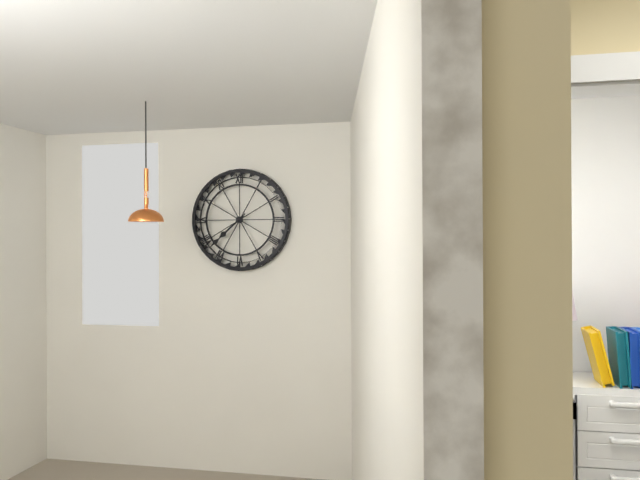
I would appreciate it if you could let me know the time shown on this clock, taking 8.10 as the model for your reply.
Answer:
7.38
